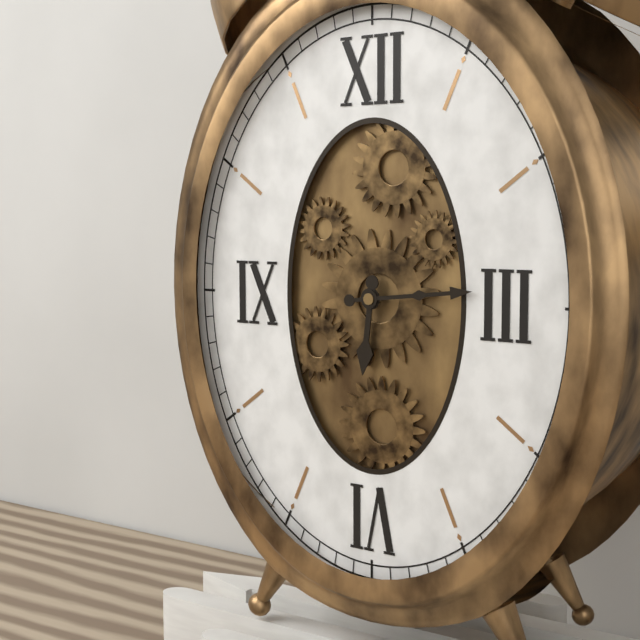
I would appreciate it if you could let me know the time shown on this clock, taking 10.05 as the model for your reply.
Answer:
6.14
